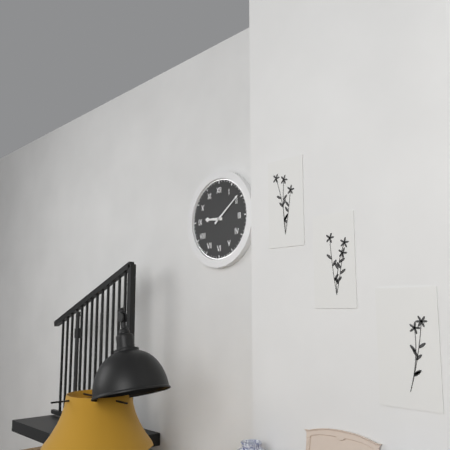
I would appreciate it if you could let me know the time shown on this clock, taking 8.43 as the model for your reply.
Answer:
9.09
